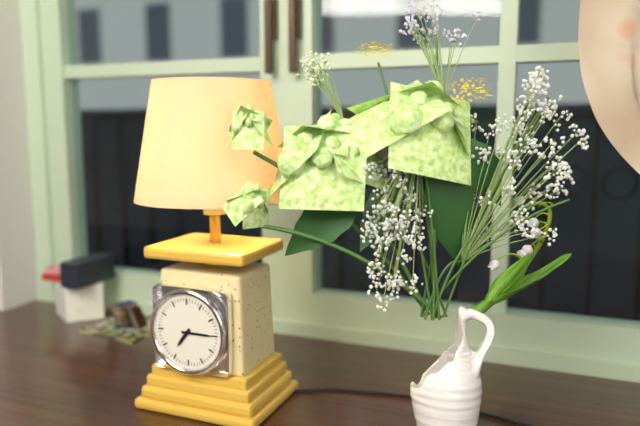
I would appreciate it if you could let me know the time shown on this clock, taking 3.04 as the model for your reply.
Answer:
7.15
